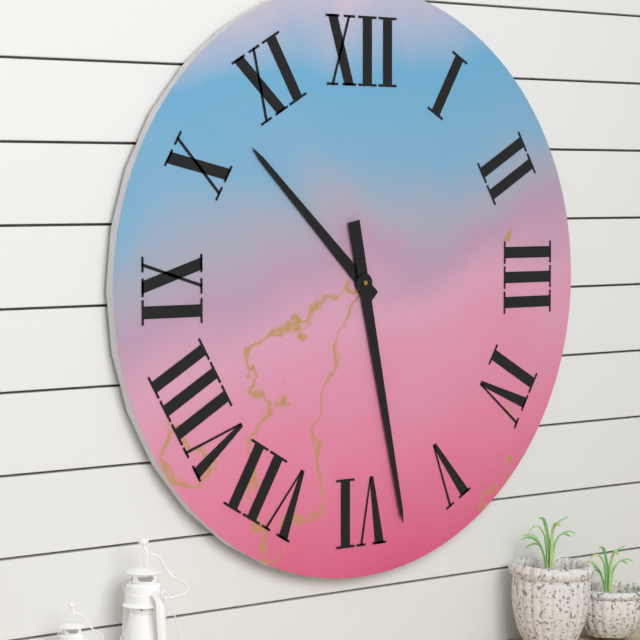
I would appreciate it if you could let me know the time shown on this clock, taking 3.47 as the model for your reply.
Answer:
10.28
